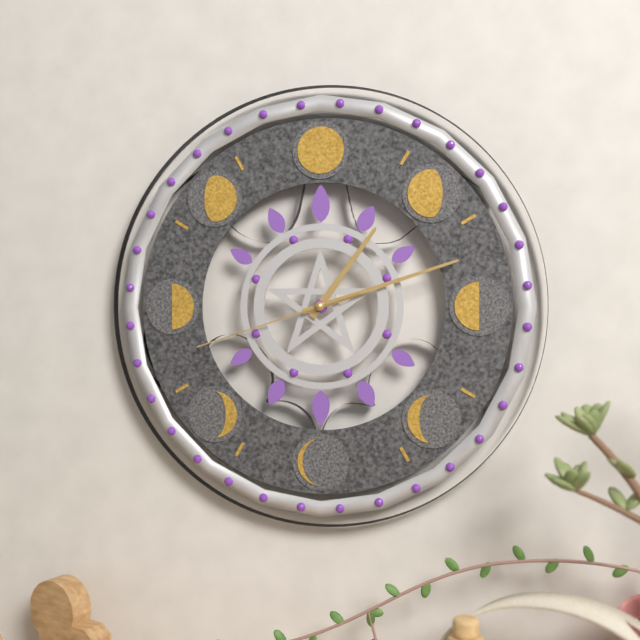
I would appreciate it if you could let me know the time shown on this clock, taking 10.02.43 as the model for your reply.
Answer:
1.12.42
